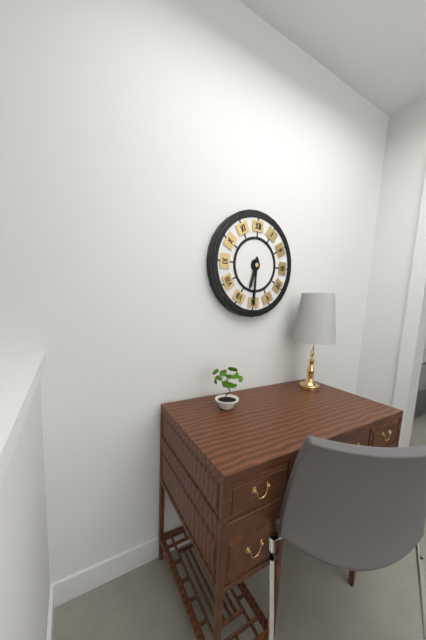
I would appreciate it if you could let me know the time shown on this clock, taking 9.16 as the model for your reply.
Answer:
6.30
